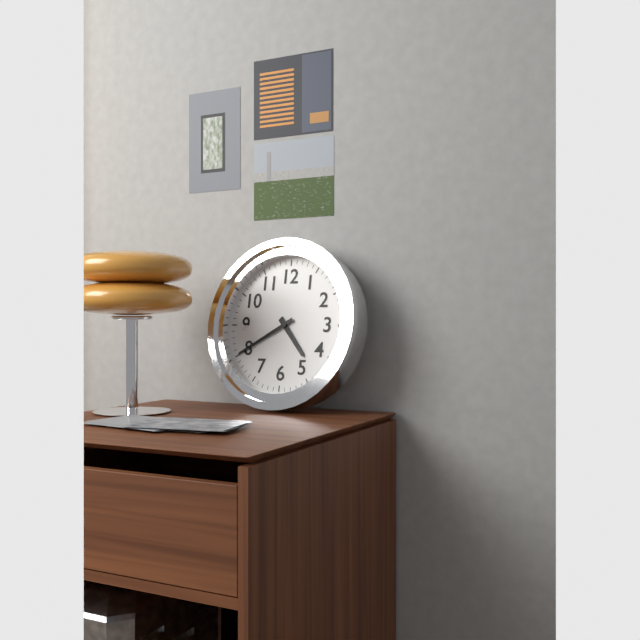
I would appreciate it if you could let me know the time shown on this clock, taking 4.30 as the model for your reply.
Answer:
4.40
